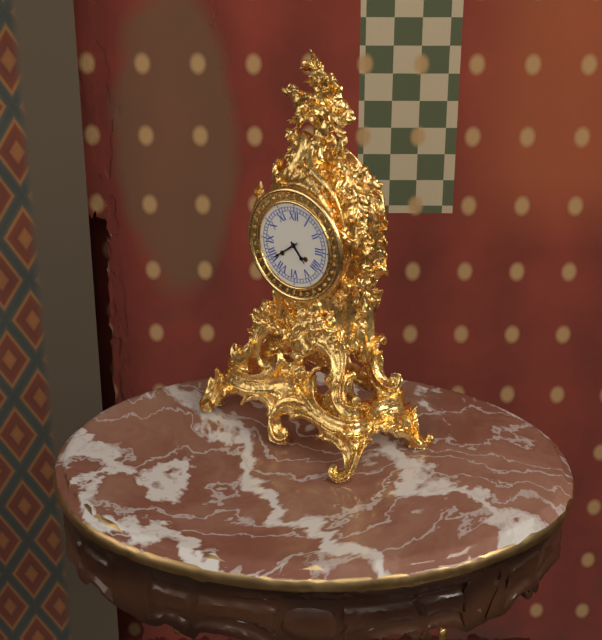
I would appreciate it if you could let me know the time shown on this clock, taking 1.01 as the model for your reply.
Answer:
4.39
